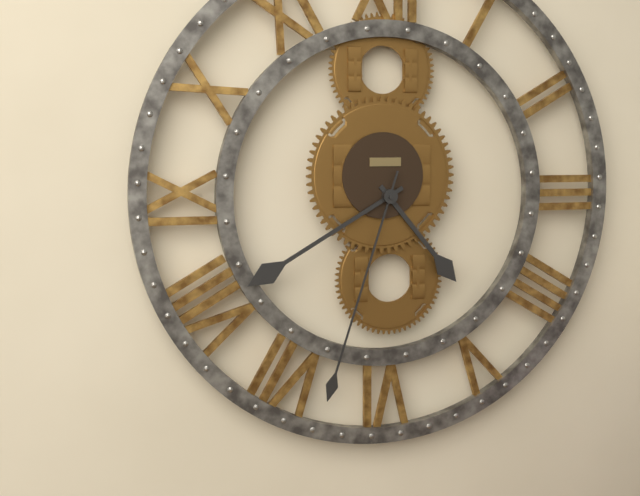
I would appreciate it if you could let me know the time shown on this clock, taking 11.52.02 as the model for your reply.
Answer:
4.40.33
